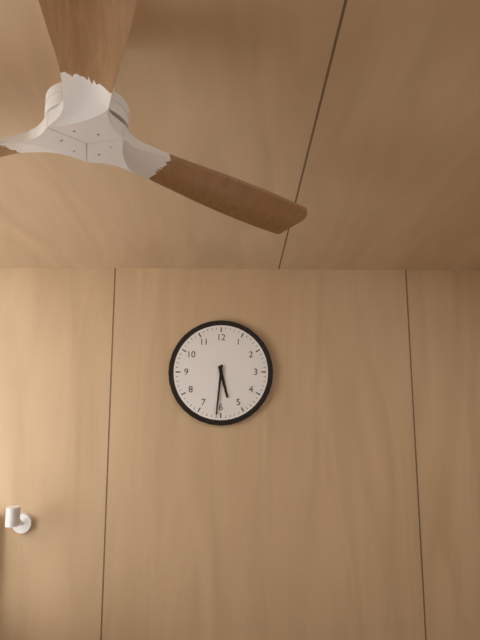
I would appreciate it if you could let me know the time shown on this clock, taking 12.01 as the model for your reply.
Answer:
5.31
